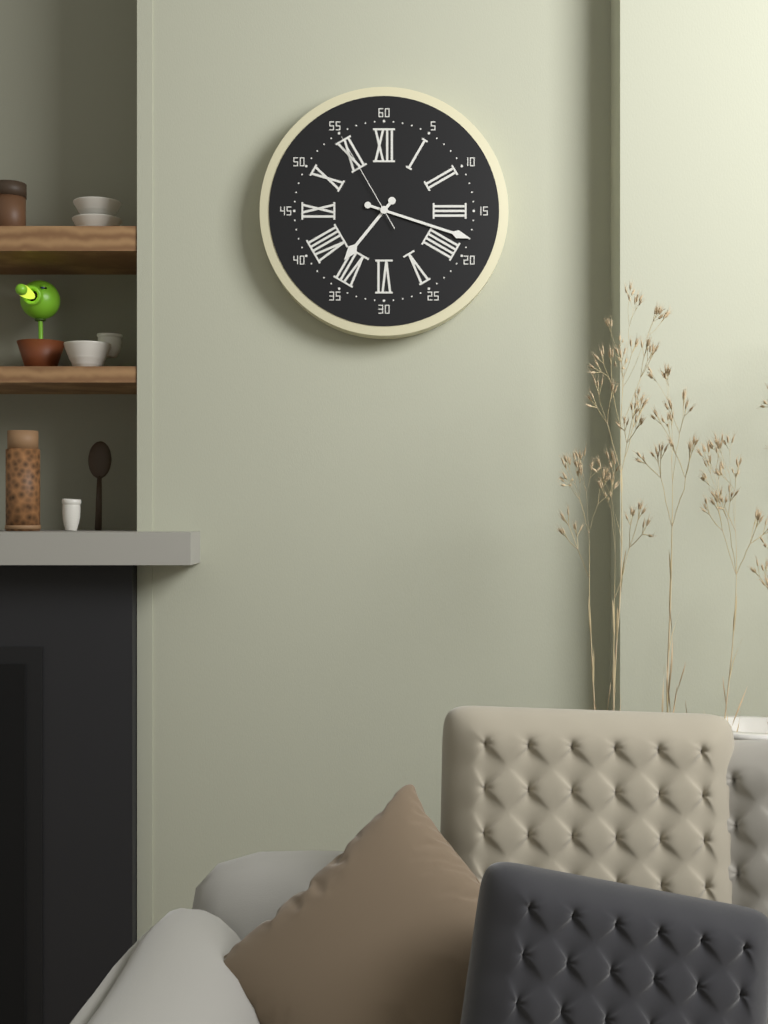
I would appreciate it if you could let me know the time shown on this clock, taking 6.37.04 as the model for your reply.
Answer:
7.18.55
